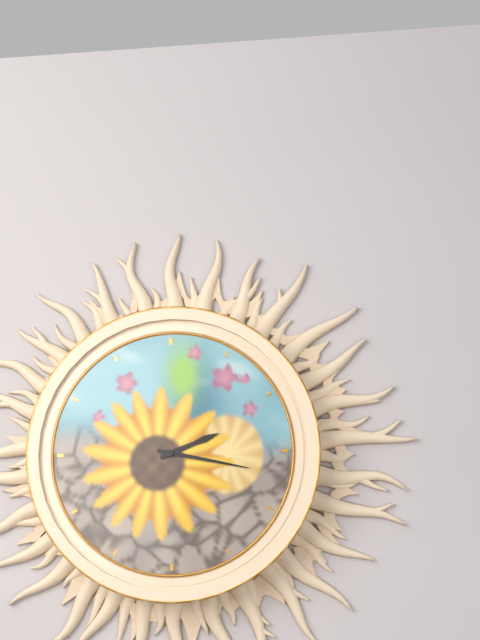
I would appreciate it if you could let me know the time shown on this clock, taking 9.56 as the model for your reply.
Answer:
2.17
